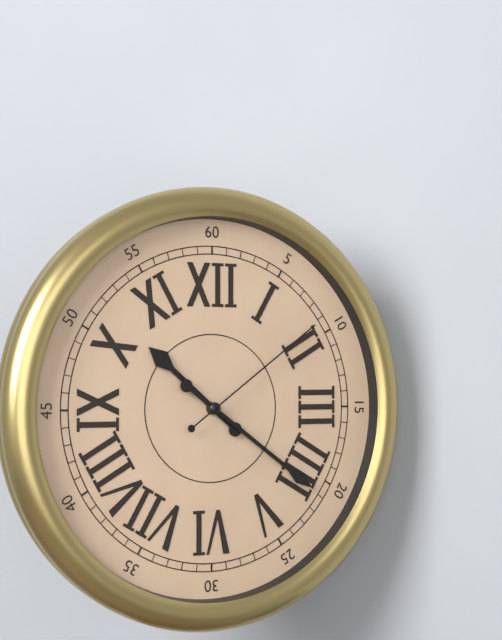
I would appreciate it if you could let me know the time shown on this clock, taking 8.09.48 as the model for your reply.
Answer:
10.21.09
